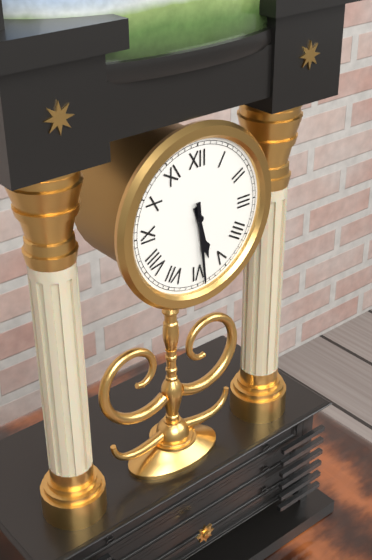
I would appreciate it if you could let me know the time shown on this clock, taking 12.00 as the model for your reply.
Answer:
5.29
